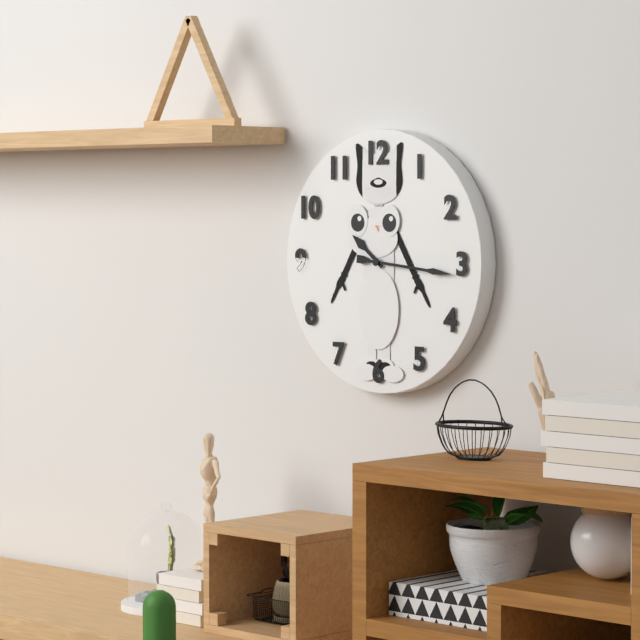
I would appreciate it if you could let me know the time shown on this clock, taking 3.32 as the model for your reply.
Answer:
10.16
